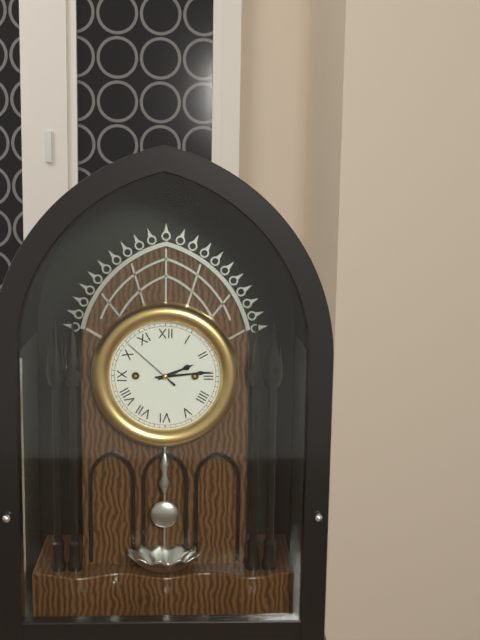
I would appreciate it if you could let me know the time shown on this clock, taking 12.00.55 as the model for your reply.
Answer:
2.14.52
